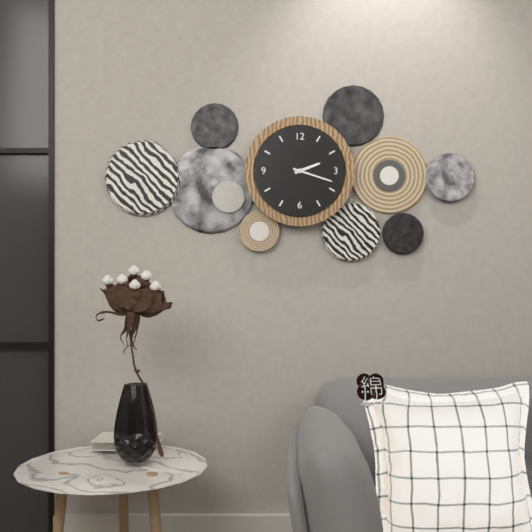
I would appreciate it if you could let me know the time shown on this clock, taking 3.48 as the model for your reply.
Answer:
2.18
